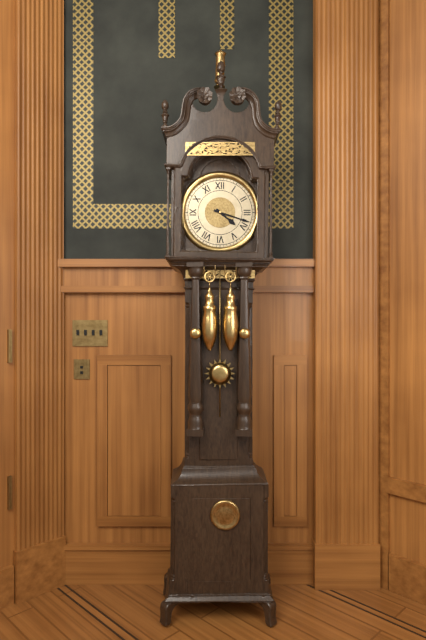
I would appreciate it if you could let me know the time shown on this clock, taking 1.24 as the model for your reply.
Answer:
4.18
